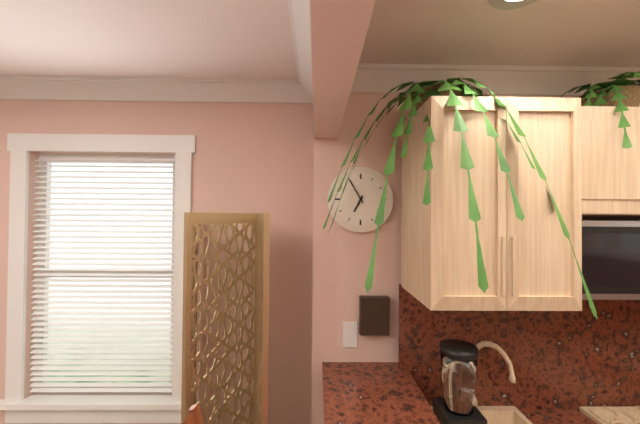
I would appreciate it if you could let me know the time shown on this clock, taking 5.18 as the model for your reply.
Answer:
6.55
